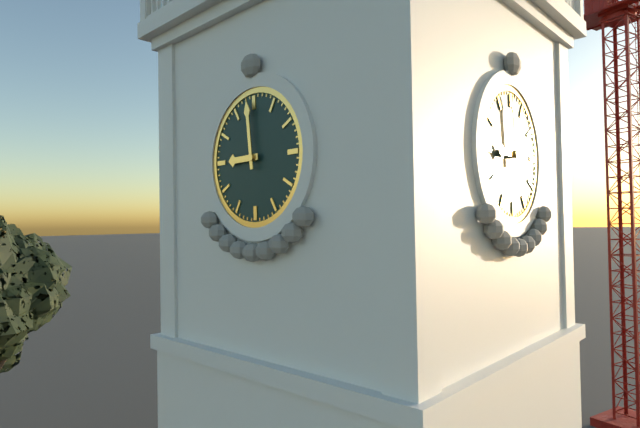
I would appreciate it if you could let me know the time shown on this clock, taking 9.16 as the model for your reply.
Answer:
8.59
